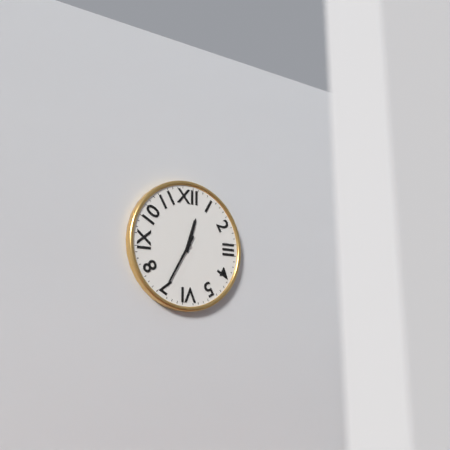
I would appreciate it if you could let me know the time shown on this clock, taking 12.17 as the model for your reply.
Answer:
12.35
